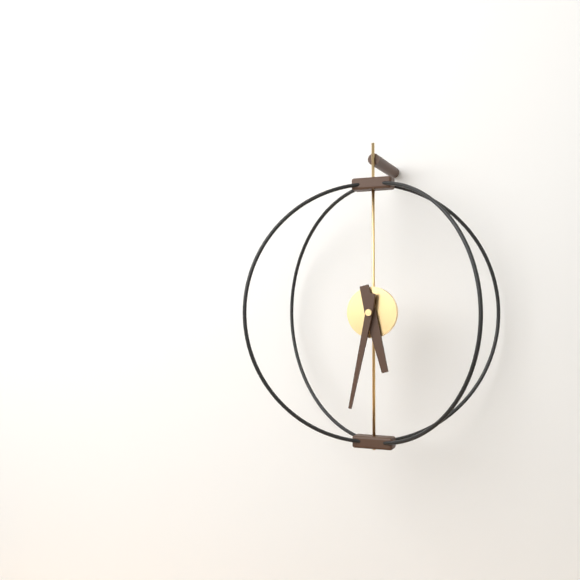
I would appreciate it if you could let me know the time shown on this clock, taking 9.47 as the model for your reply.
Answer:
5.32
